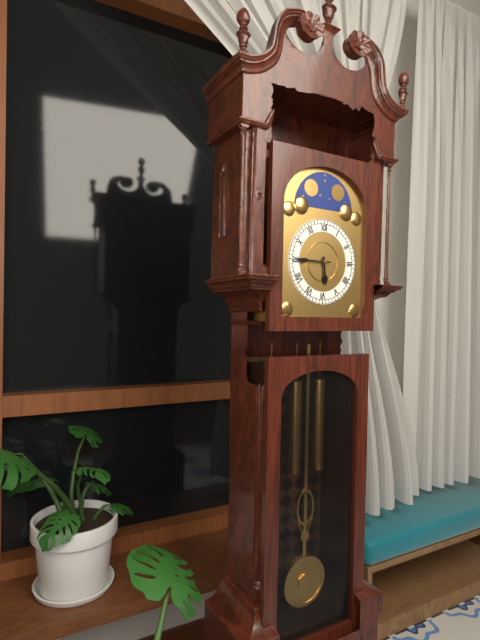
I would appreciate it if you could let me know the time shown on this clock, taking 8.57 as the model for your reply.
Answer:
5.45
